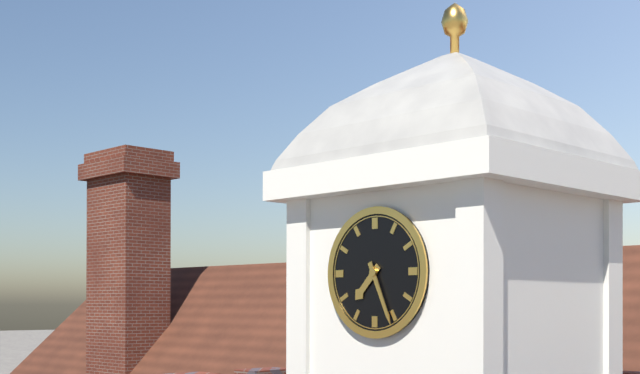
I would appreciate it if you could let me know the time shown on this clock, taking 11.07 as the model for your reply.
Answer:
7.26
